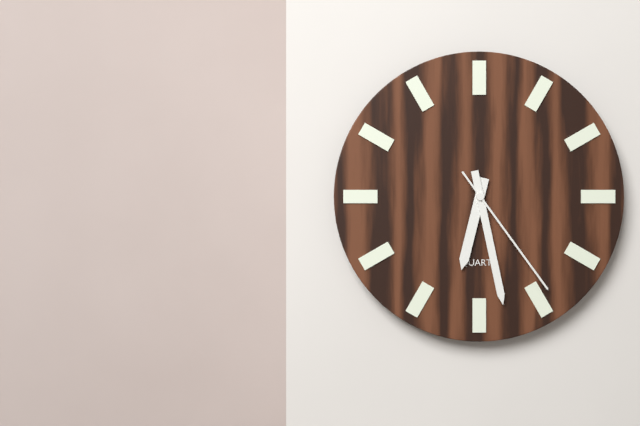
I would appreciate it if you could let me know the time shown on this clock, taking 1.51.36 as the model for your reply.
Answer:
6.28.24
